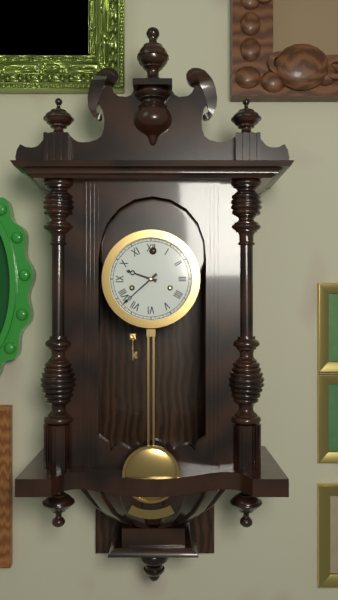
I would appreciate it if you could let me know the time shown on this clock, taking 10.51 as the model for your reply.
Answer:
9.38
